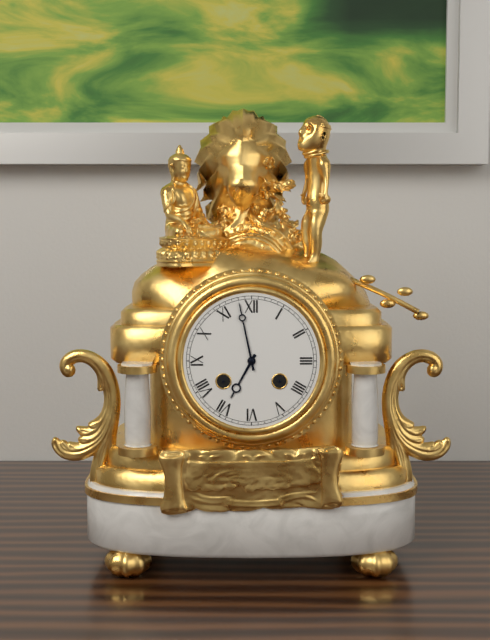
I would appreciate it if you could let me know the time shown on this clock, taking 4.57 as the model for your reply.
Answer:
6.58
